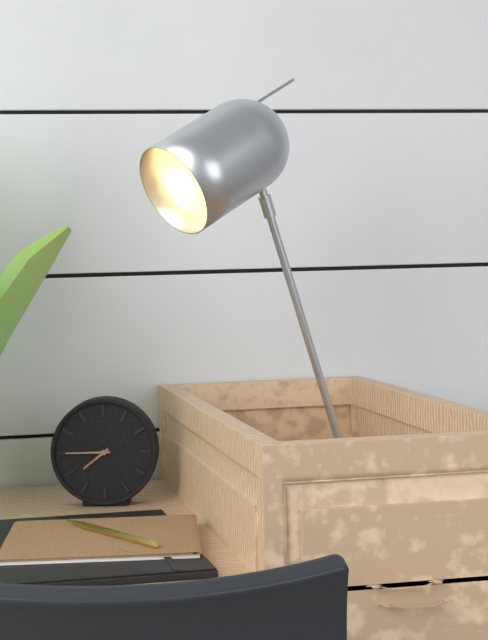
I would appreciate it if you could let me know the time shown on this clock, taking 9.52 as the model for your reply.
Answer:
7.45
